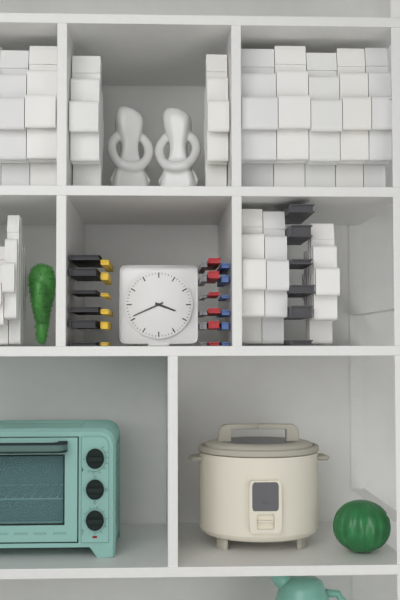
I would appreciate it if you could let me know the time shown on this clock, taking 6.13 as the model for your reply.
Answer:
3.41
